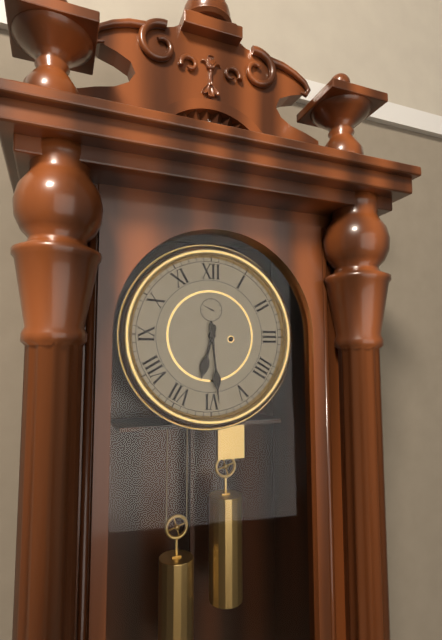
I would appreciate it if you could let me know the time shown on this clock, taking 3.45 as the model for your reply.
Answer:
6.29
